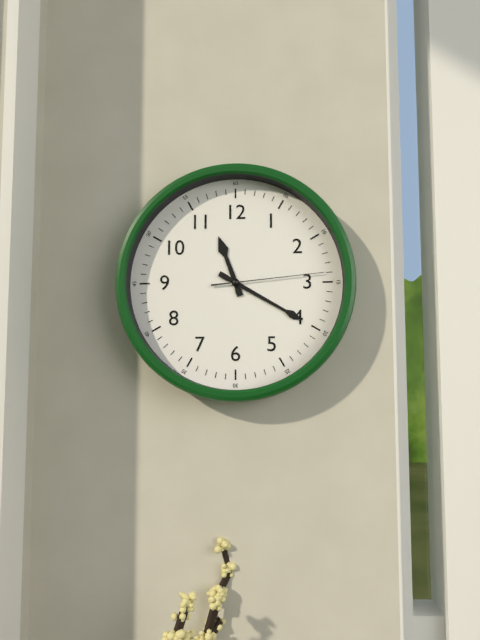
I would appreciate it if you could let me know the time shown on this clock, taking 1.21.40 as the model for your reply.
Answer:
11.20.14
